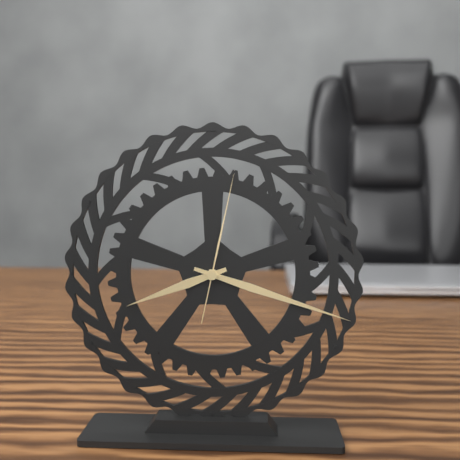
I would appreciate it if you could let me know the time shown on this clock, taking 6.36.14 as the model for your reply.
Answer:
8.18.02
